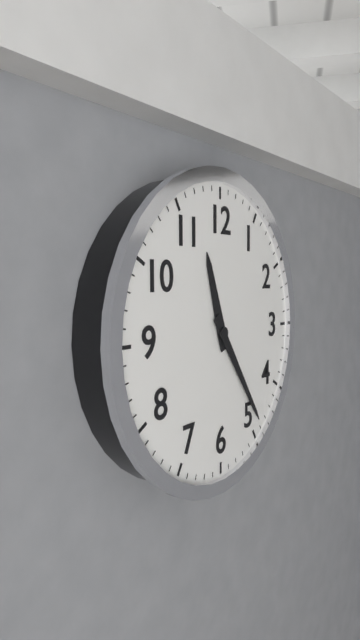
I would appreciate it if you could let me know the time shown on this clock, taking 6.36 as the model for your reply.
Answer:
11.24
